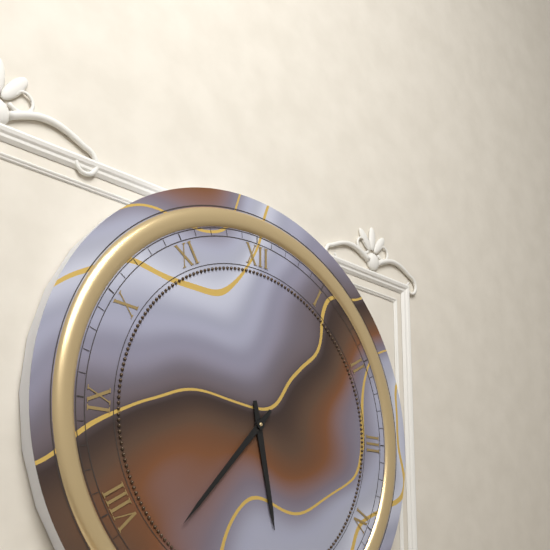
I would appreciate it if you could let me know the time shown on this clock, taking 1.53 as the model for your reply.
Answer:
5.37
